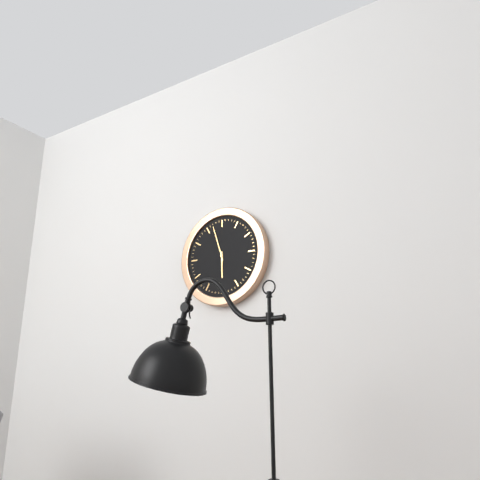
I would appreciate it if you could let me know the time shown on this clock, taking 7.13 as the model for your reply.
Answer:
5.57
